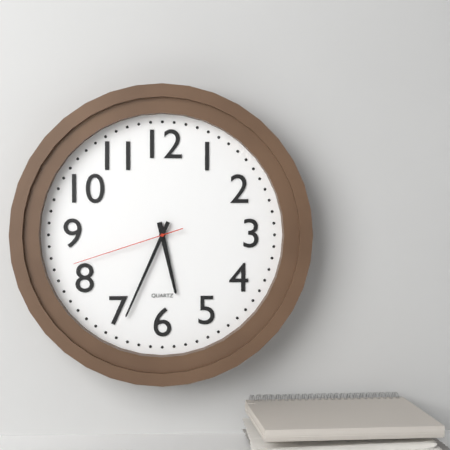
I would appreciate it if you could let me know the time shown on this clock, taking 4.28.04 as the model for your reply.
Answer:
5.34.42
